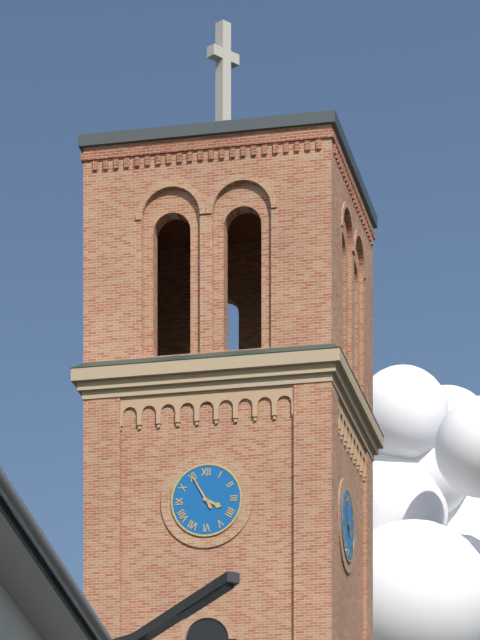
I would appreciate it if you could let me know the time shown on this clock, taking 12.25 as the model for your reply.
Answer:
3.55
